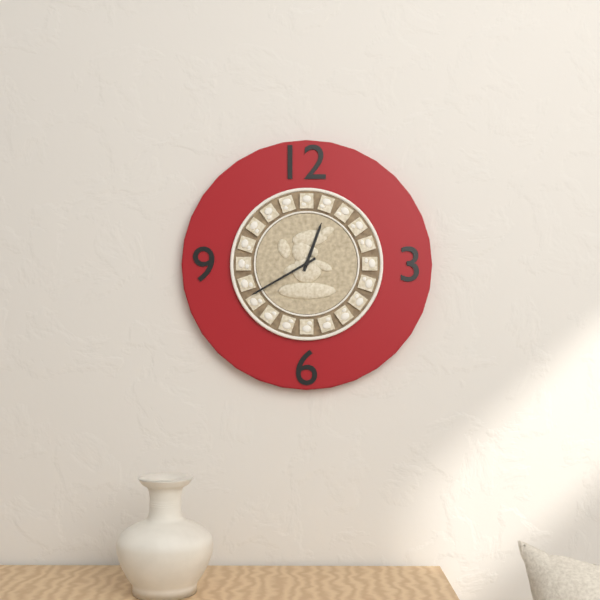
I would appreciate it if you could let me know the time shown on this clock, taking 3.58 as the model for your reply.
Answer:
12.40
